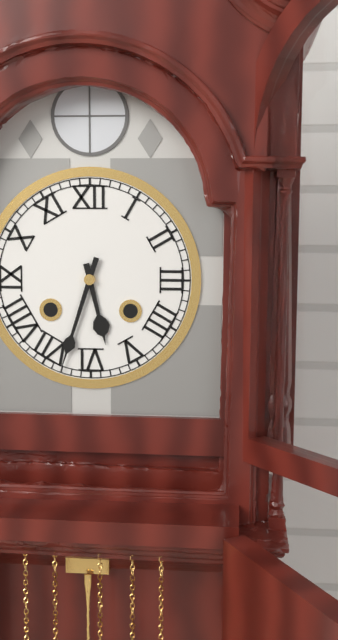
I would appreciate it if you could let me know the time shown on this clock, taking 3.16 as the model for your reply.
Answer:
5.33
